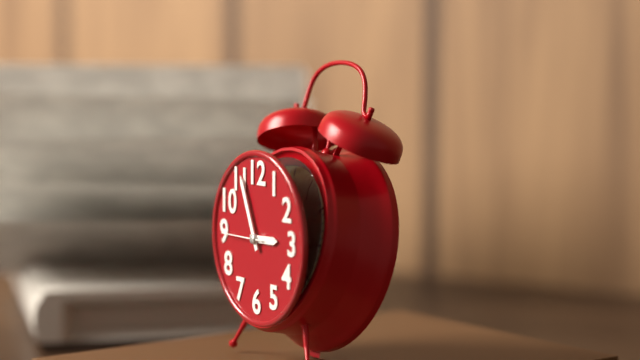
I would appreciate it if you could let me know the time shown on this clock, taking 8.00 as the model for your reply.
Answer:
2.56
